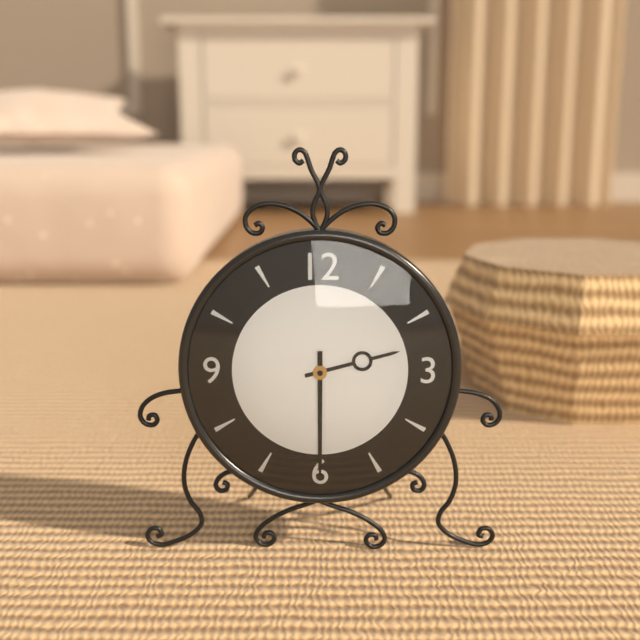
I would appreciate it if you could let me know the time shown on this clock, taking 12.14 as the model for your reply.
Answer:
2.30
